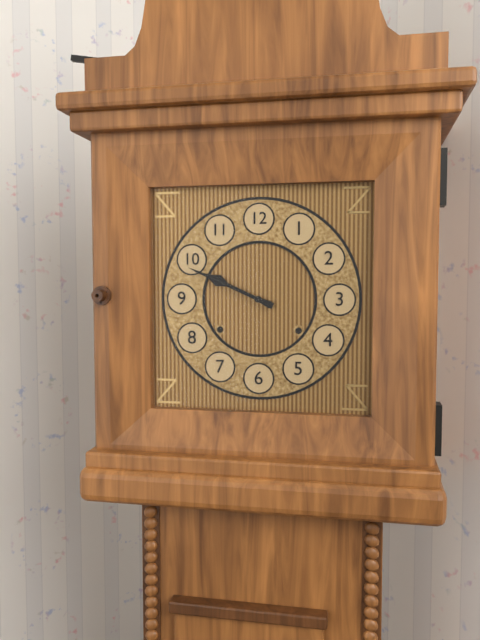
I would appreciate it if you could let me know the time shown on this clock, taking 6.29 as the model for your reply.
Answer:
9.49
